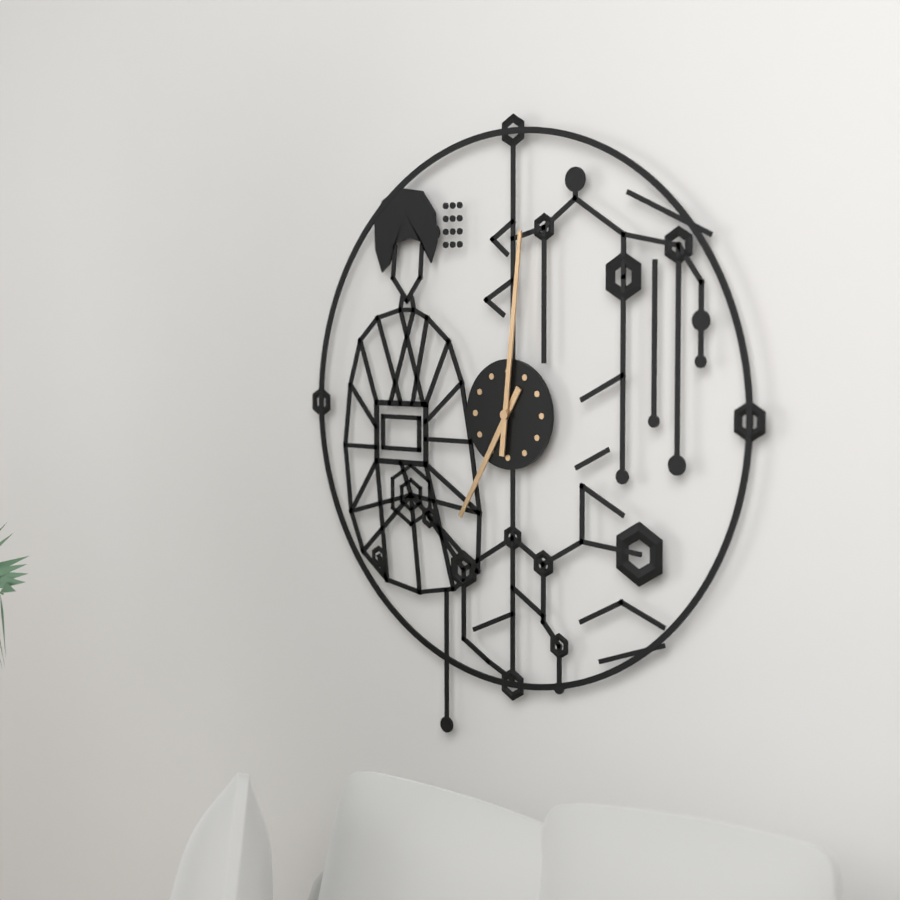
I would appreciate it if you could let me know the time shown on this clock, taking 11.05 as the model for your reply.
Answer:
7.01
